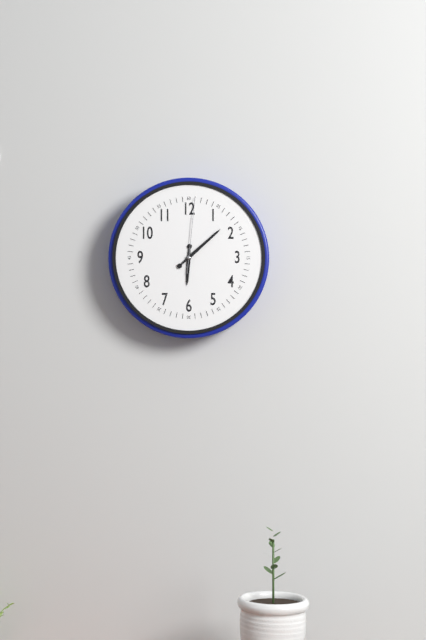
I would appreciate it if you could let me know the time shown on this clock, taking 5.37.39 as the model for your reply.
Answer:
6.08.01
